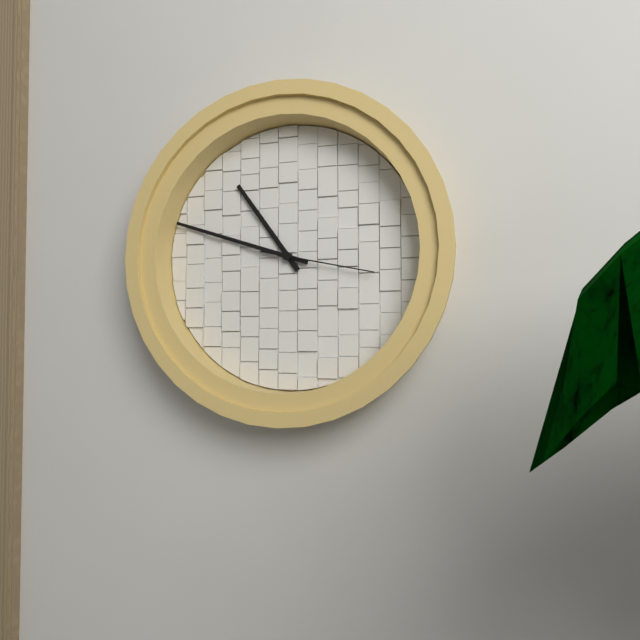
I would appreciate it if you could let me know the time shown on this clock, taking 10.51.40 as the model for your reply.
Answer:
10.48.17
